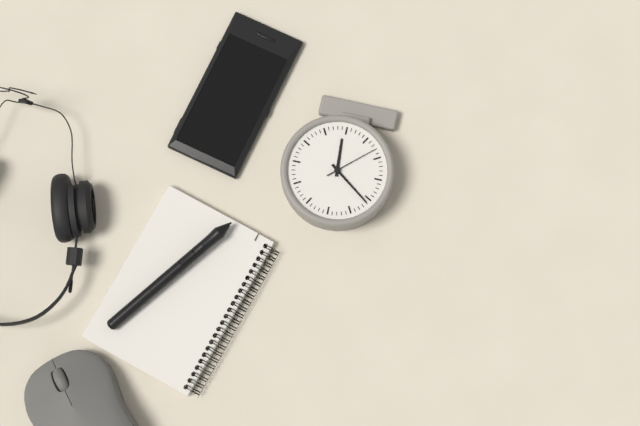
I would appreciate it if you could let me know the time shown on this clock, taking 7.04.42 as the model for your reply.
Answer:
5.51.38
